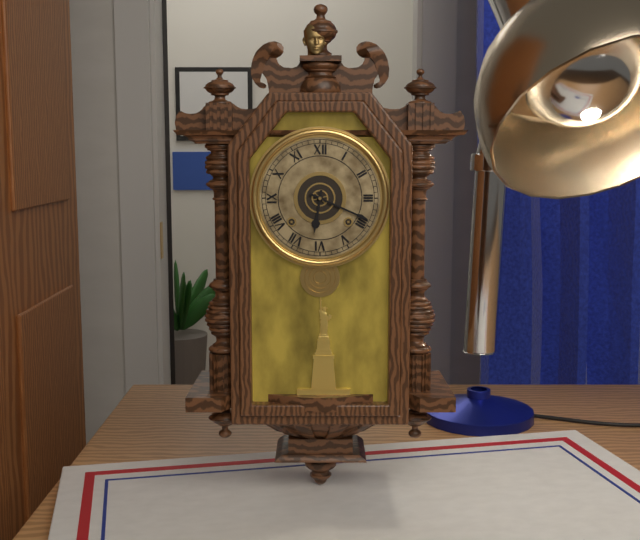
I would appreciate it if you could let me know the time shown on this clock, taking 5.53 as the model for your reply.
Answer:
6.19
